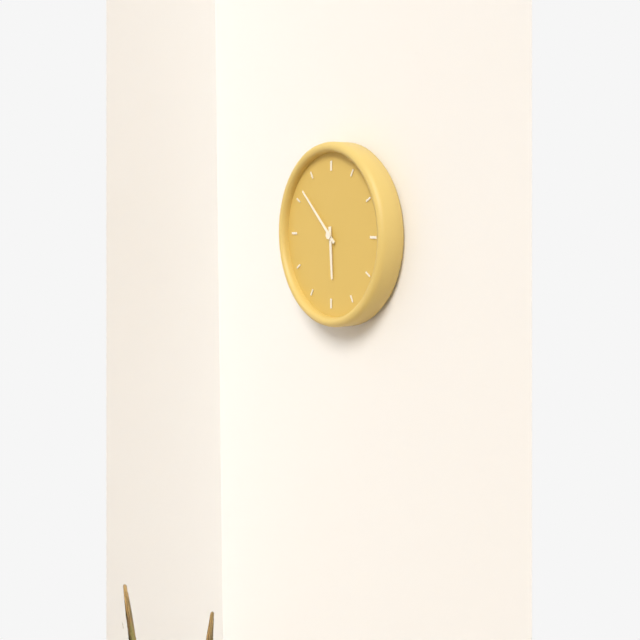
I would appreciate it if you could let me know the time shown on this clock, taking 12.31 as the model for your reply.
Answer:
5.52
